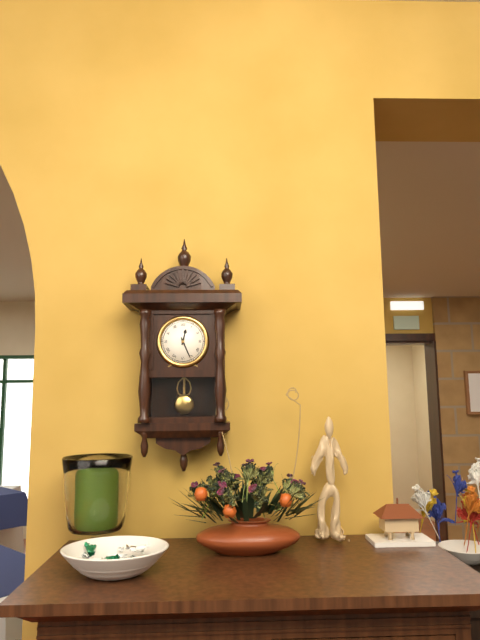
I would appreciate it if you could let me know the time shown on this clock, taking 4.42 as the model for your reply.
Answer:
12.26
